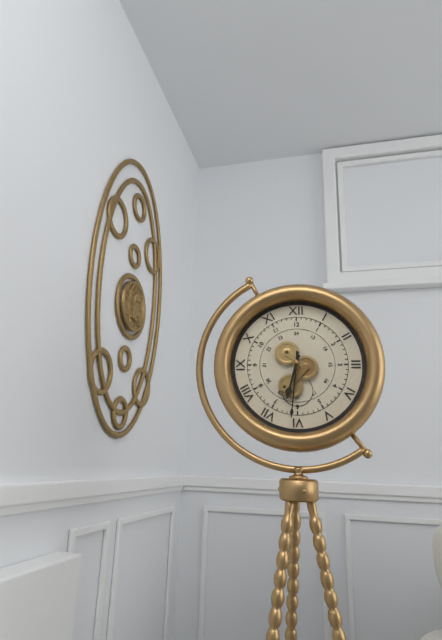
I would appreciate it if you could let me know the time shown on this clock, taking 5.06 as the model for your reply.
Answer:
6.31
